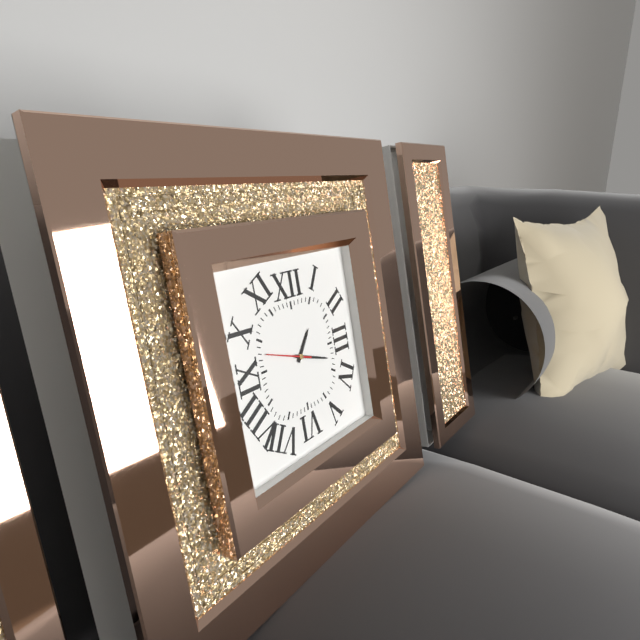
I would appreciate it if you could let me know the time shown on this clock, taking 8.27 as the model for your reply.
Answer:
1.18
